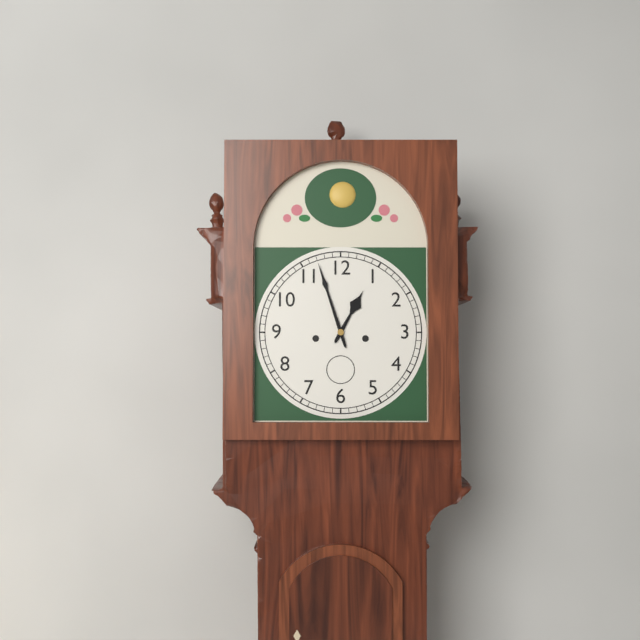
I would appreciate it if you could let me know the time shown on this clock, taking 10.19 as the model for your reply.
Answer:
12.57
